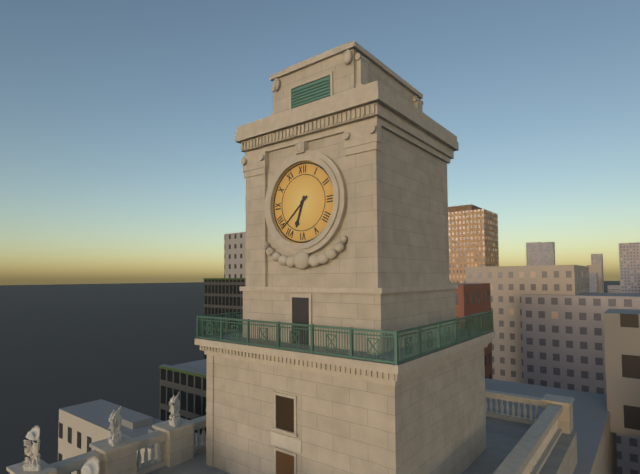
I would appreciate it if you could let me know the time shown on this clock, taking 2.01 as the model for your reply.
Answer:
6.38
